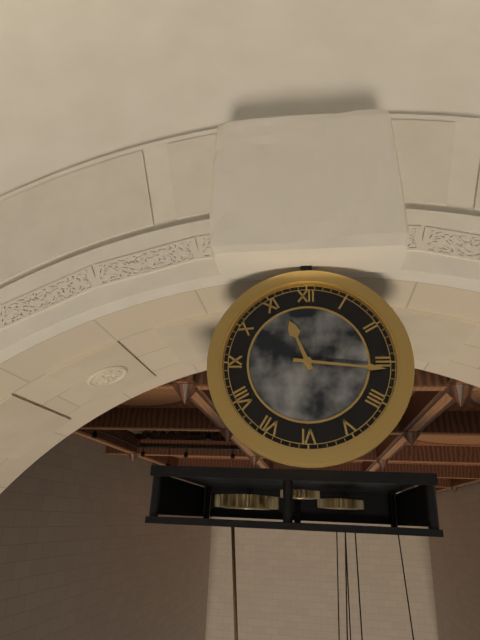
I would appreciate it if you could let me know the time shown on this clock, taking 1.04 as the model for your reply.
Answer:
11.16
